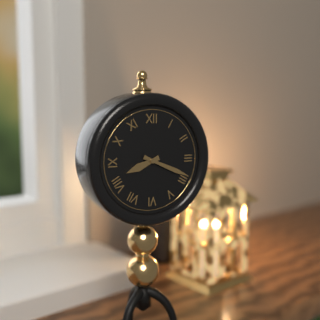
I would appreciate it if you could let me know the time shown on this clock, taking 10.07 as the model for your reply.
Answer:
8.19
